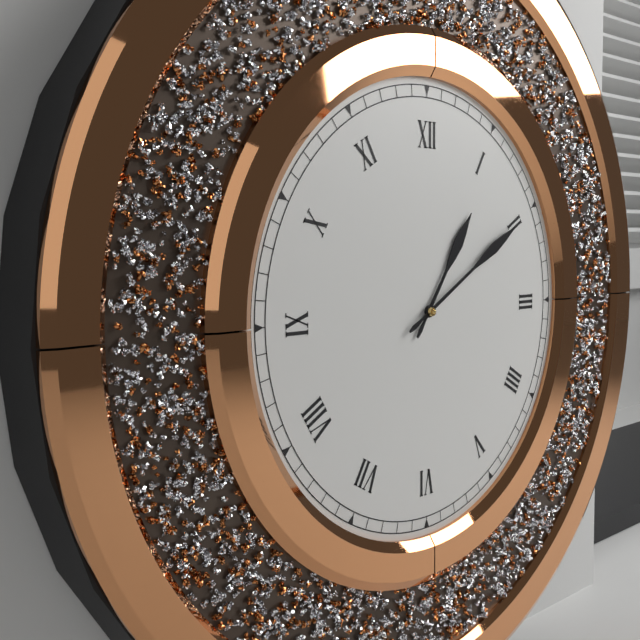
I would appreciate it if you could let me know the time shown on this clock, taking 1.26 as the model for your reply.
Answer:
1.10
